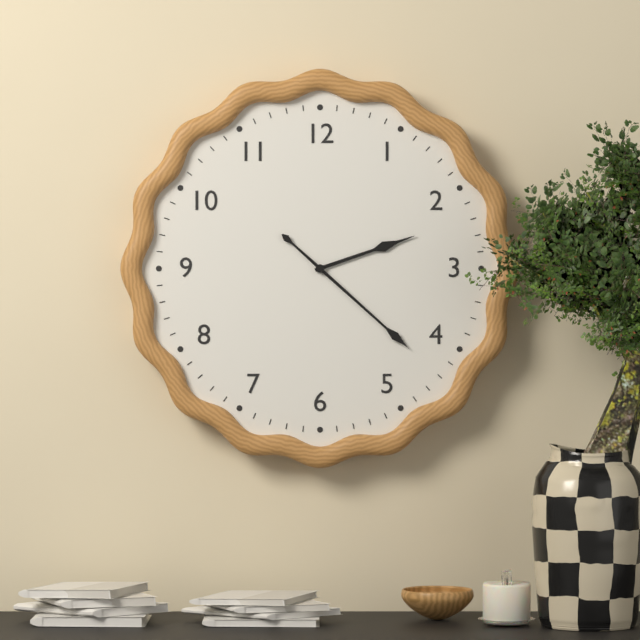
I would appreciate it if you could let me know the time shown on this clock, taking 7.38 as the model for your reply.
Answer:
2.22
